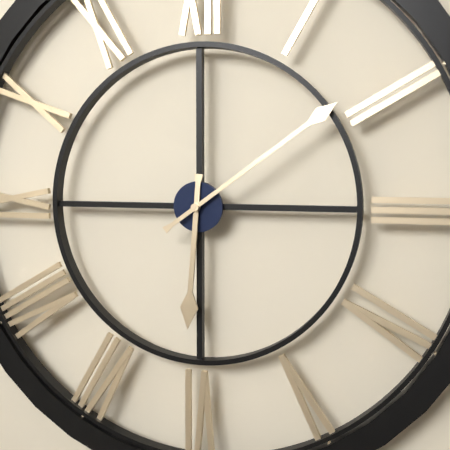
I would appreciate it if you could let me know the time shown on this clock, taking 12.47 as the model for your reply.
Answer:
6.09
